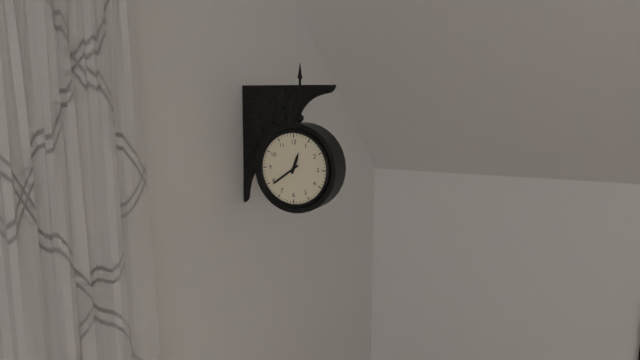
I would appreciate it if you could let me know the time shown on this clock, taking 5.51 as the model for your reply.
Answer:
12.39
